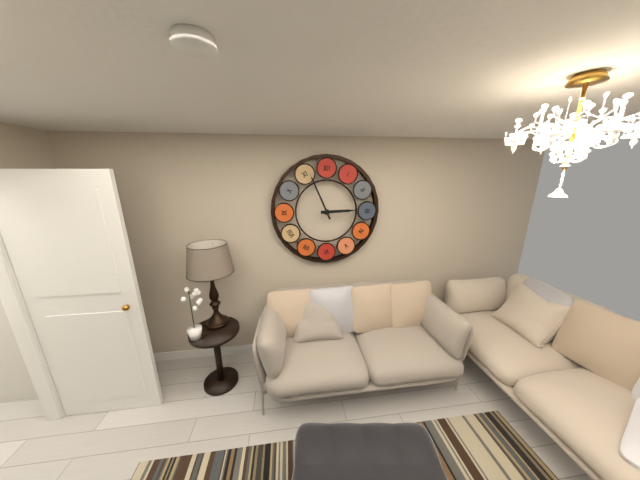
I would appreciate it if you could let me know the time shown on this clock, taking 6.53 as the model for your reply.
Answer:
2.56
